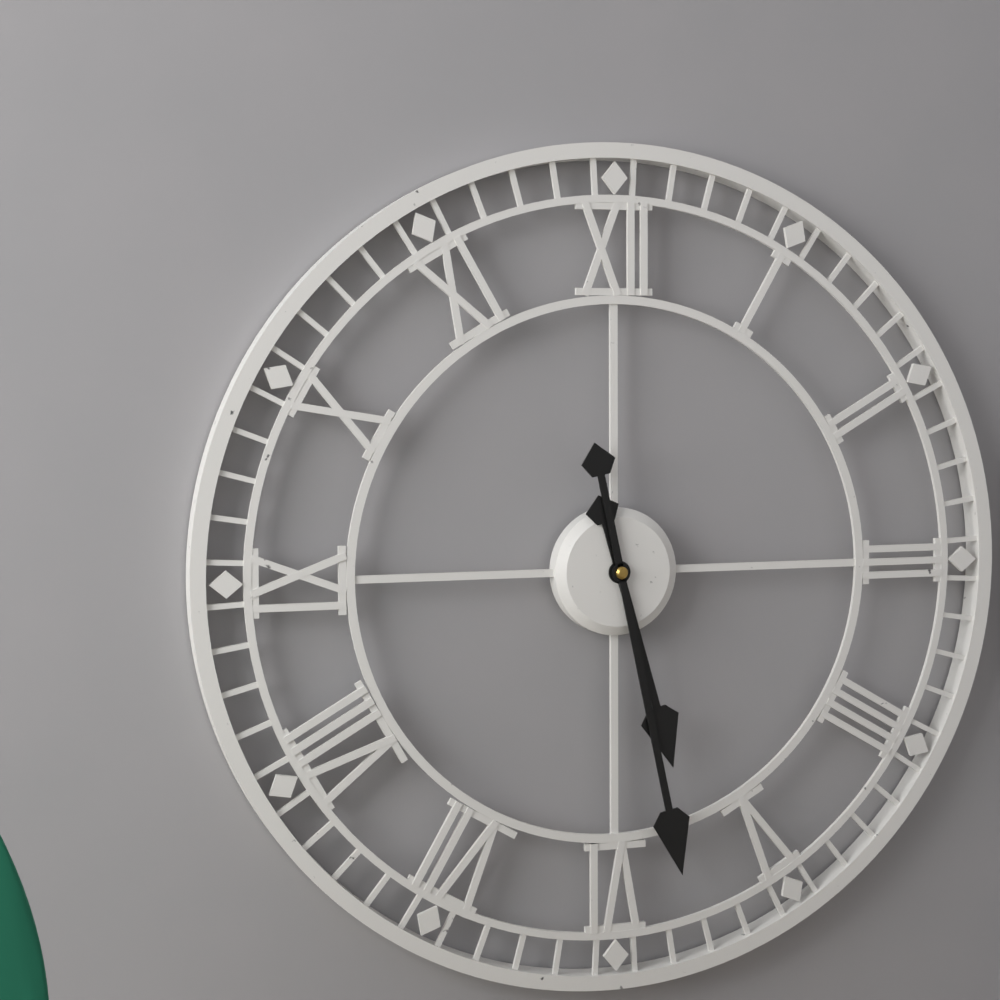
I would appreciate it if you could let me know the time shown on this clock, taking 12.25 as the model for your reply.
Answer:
5.28
